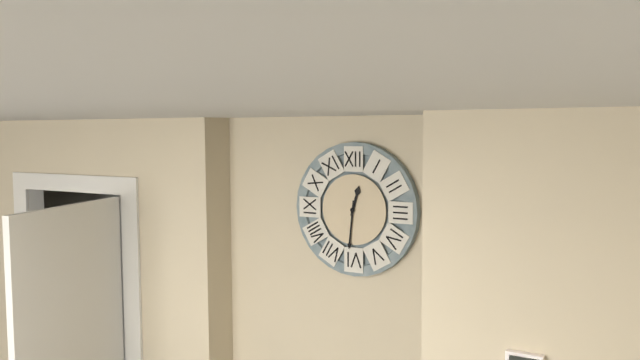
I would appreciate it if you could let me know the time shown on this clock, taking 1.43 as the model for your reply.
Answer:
12.31
